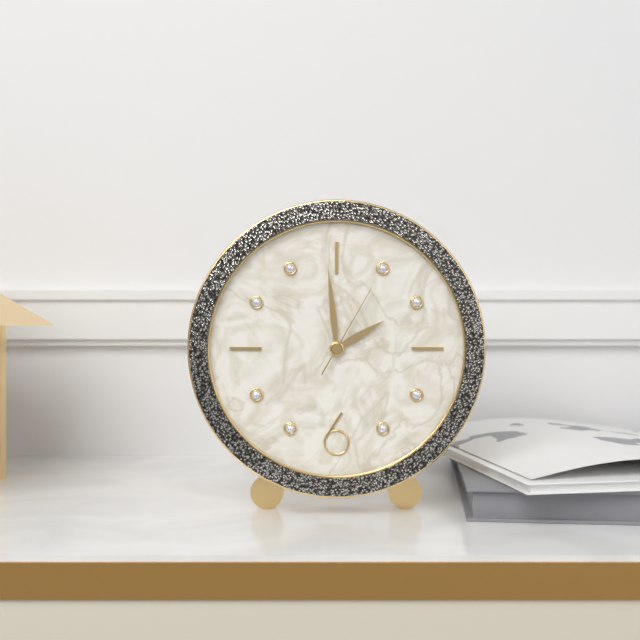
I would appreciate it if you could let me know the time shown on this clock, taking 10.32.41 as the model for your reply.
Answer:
1.59.05
